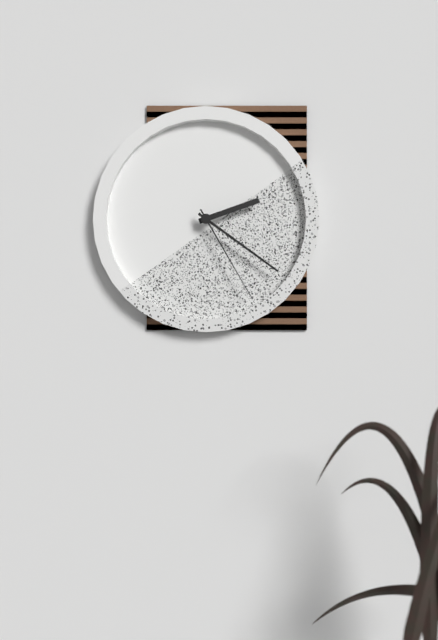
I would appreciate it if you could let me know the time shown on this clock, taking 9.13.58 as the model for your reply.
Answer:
2.21.25
